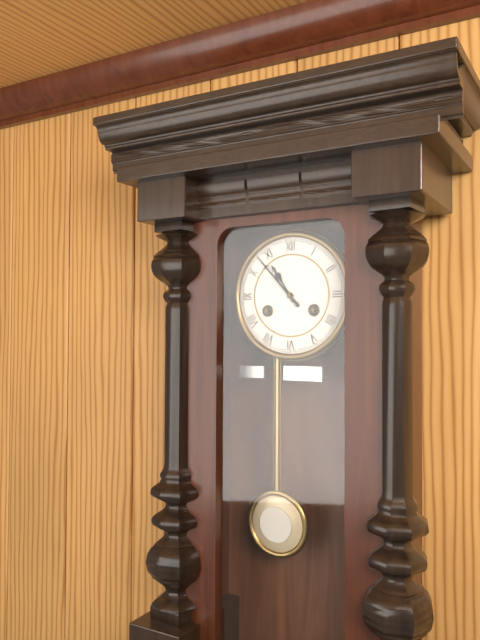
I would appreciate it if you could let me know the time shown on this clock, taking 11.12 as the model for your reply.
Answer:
10.53
